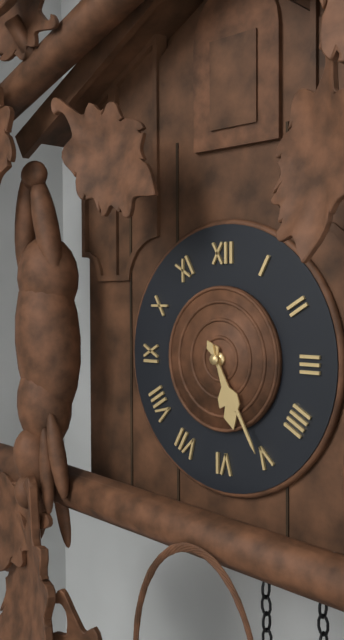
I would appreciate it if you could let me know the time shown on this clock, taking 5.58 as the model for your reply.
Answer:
5.25
